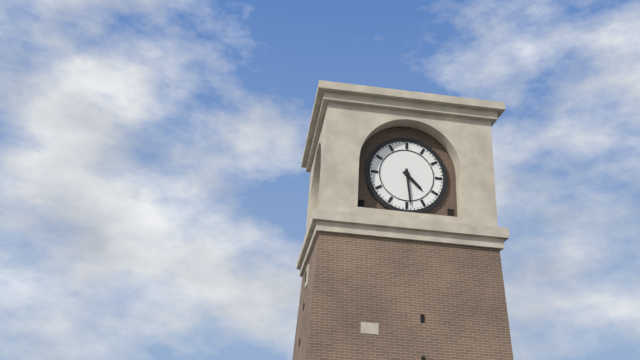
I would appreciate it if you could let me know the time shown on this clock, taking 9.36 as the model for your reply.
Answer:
4.29
